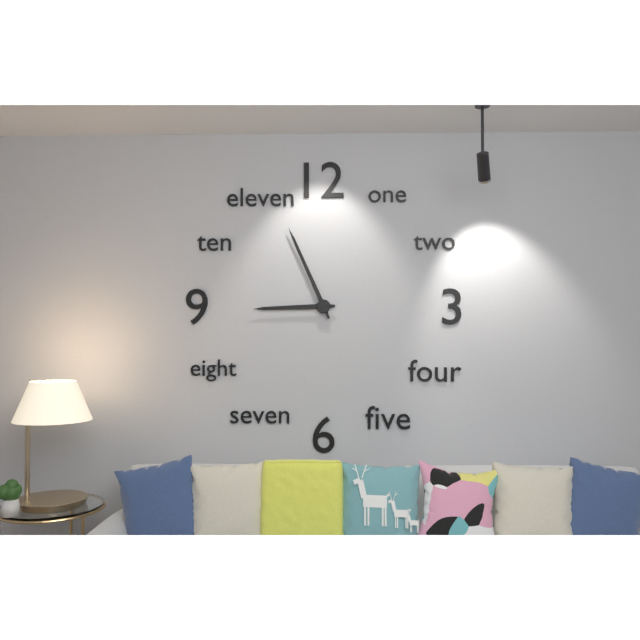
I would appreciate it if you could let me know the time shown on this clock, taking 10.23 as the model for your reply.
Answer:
8.56
